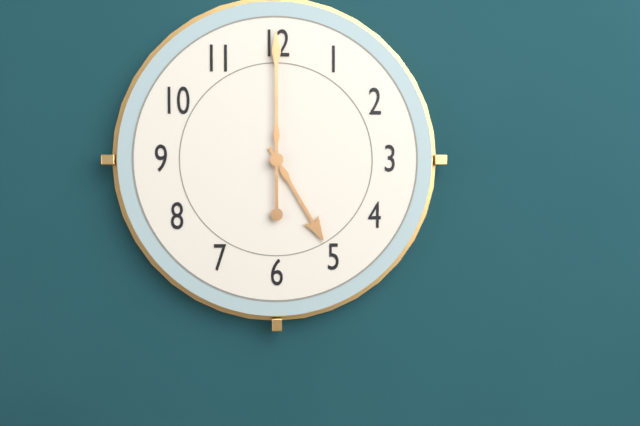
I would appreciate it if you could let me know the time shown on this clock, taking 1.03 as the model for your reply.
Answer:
5.00
